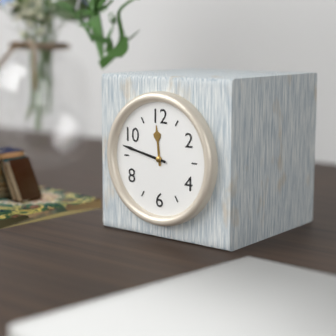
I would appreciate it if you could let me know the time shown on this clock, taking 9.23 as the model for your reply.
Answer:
11.47
